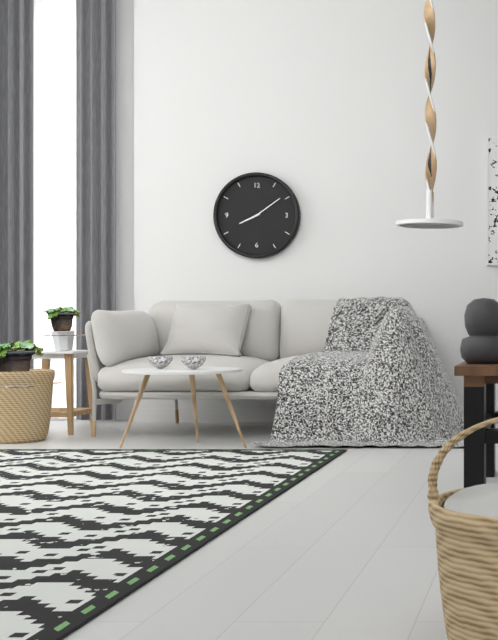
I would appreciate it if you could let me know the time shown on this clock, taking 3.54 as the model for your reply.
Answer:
8.09
